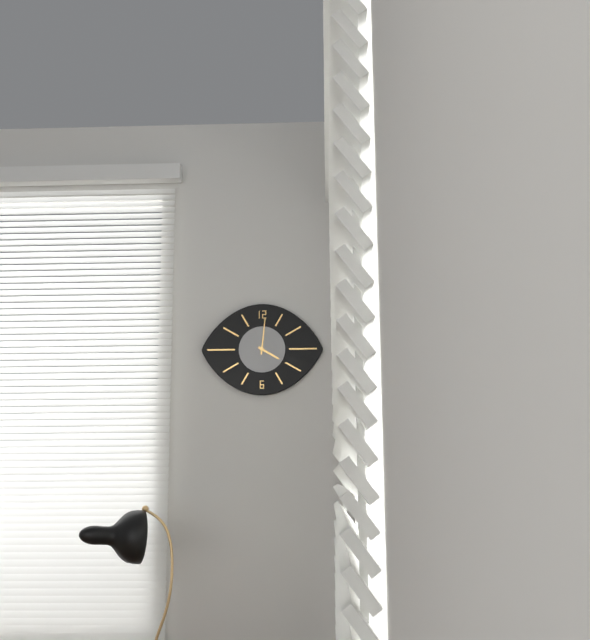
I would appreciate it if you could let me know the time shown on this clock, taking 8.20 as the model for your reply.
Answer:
4.01
